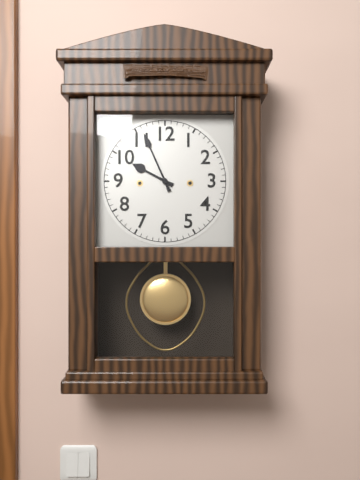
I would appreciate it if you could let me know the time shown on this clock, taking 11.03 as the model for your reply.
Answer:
9.56
